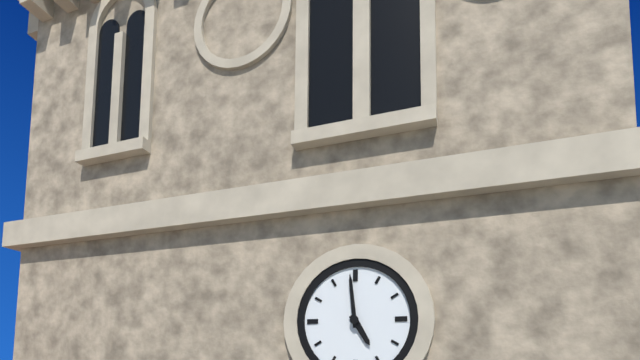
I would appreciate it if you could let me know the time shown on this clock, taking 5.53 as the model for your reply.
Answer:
4.59
